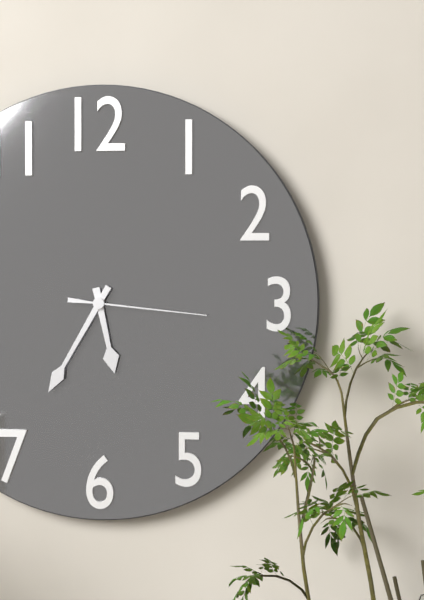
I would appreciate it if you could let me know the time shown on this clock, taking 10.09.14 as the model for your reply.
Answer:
5.35.16
